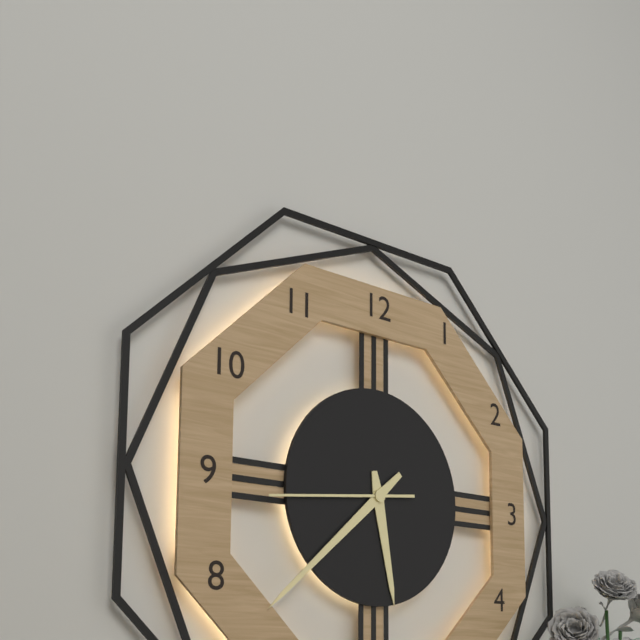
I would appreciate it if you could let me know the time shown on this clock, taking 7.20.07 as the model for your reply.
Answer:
5.38.44
